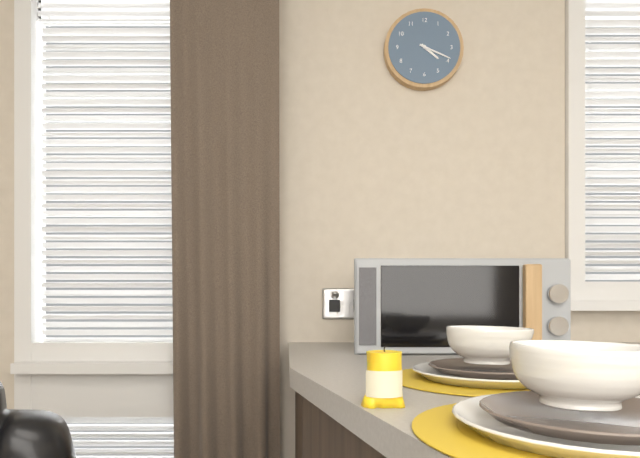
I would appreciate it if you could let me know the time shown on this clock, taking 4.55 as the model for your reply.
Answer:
4.19
